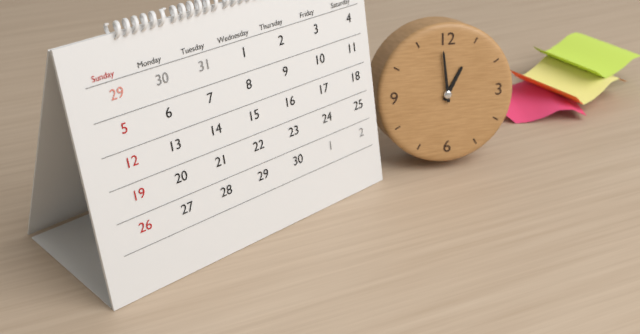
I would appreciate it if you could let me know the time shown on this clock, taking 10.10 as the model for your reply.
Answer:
12.59
